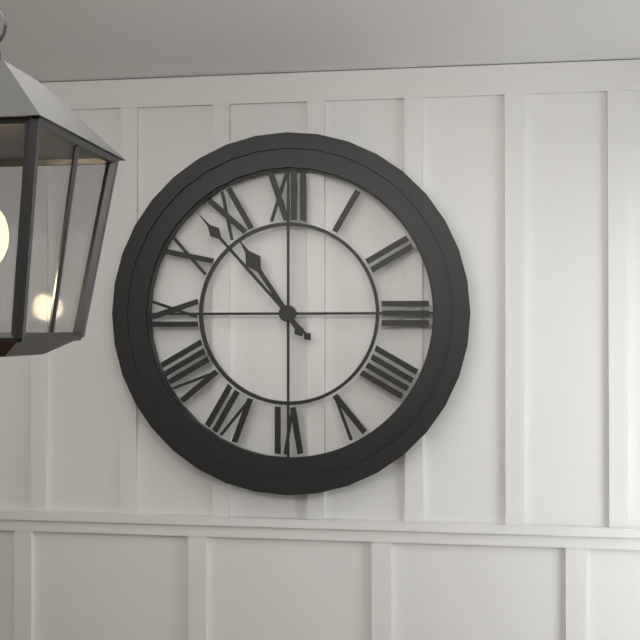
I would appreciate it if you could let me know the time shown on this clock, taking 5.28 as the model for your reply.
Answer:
10.53
